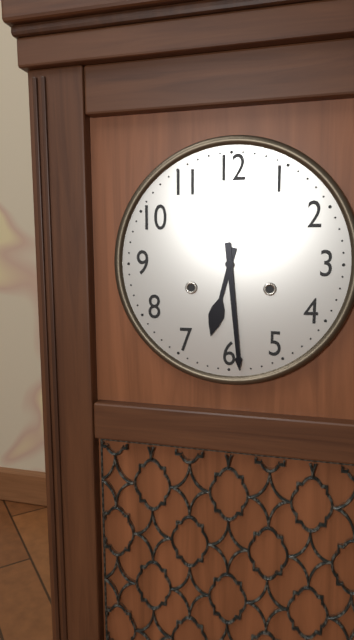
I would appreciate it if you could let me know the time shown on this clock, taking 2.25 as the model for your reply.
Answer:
6.29
